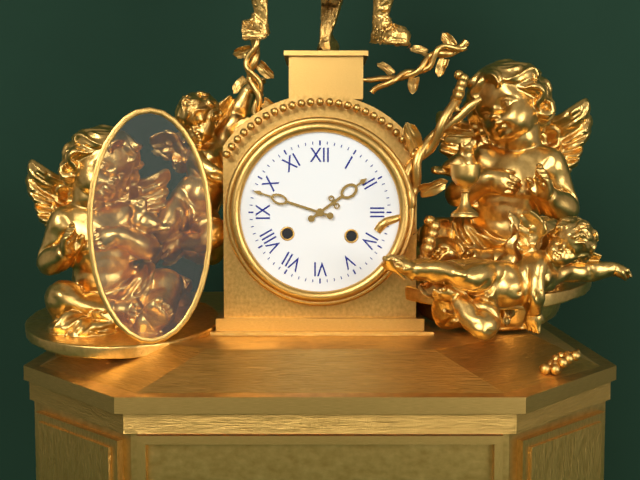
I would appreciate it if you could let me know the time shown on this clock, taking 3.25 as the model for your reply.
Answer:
1.48
